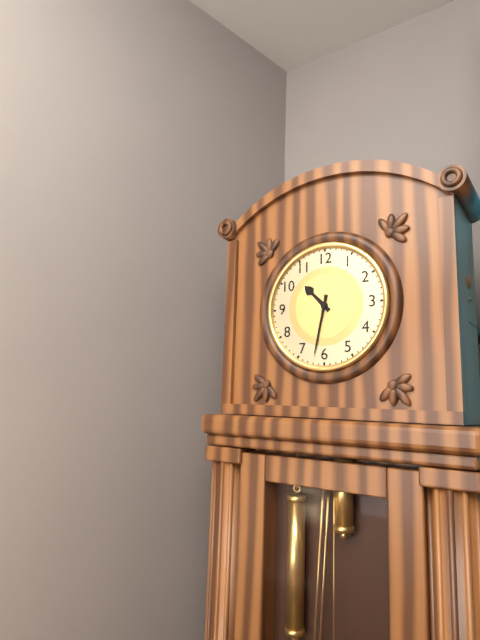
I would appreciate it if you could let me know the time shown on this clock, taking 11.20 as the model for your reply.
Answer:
10.32
